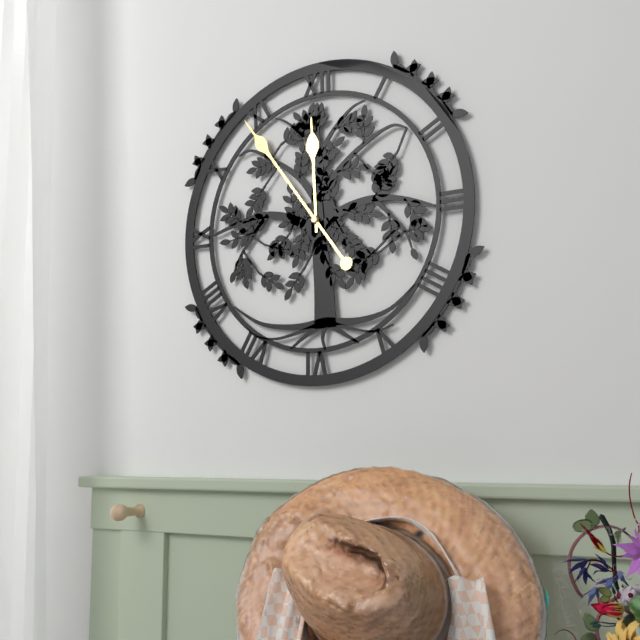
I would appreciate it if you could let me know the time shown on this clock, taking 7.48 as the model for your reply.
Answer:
11.54
